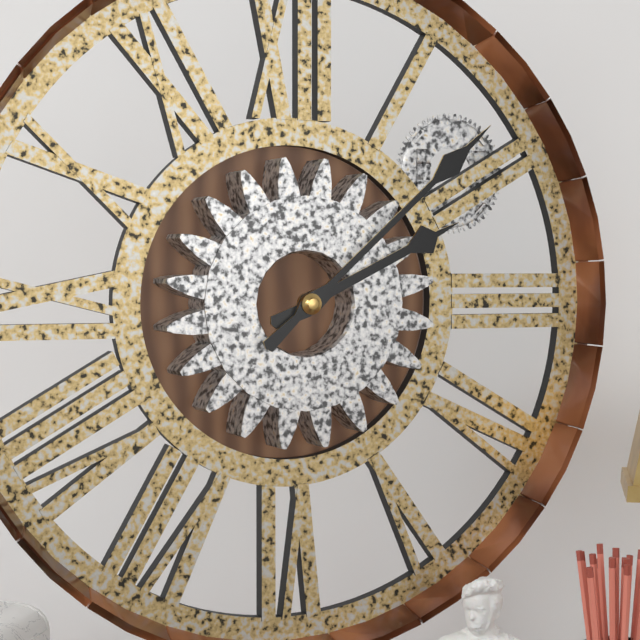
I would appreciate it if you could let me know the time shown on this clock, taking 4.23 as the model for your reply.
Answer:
2.08
